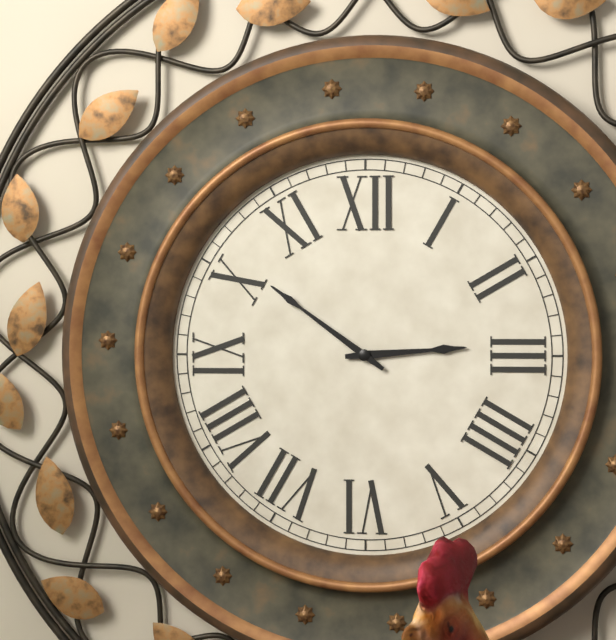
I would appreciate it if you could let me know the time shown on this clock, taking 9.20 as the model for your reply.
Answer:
2.51
